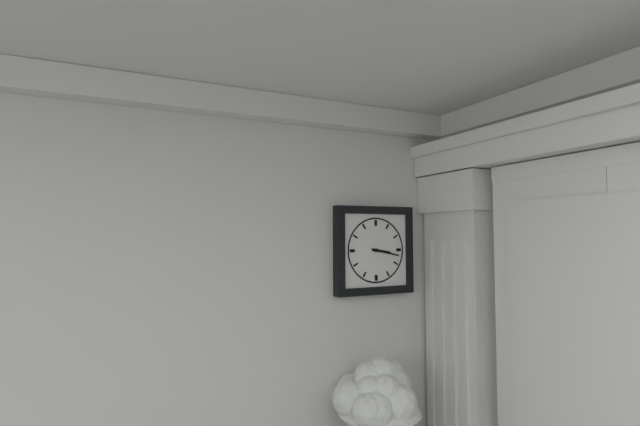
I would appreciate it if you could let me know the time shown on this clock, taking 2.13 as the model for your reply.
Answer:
3.17
